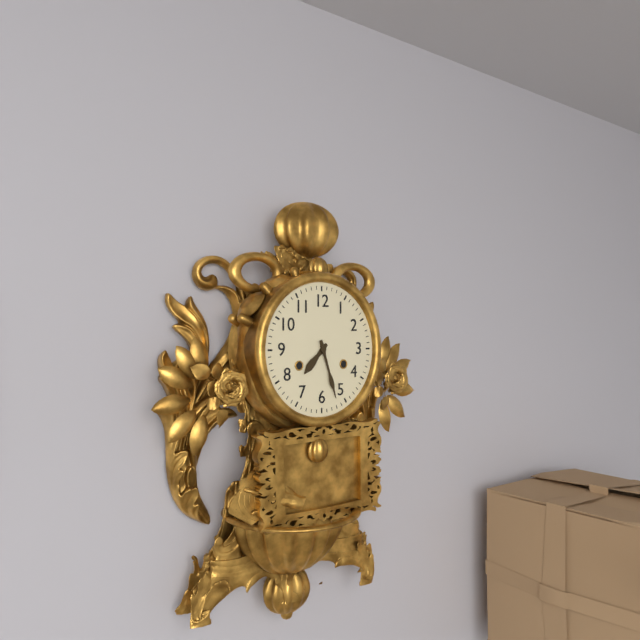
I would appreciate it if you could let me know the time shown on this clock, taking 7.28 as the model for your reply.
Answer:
7.27
